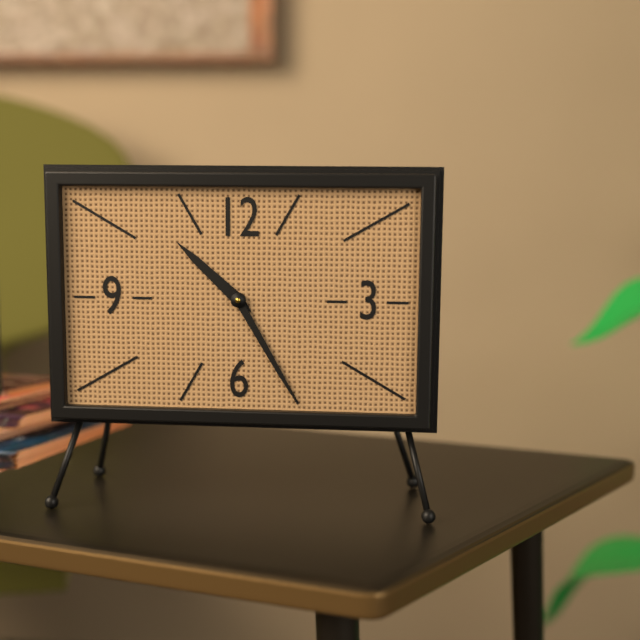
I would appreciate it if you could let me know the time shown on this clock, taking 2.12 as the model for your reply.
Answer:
10.25
